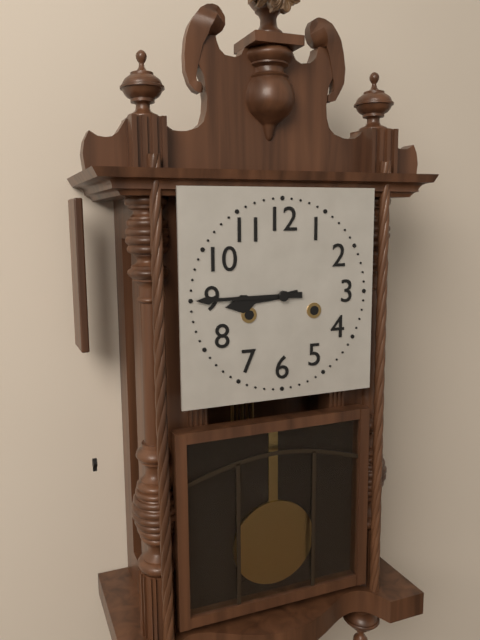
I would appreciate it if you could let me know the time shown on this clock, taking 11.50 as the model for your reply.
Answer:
8.45
